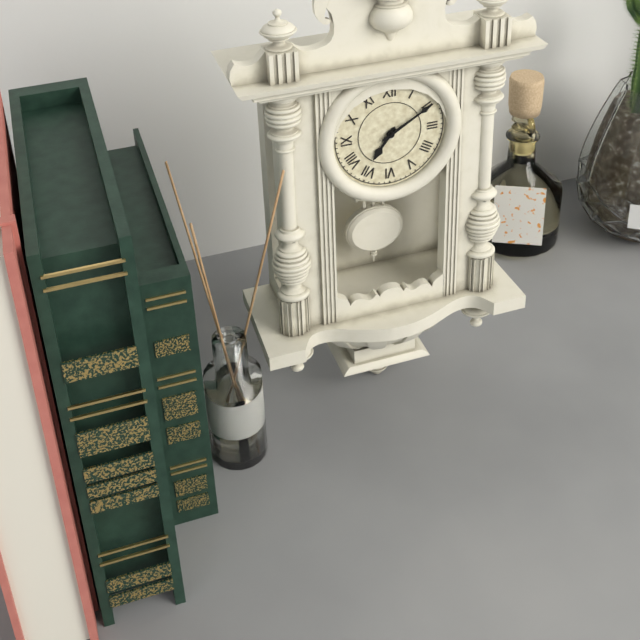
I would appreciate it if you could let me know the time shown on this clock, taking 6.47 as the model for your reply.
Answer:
7.10
